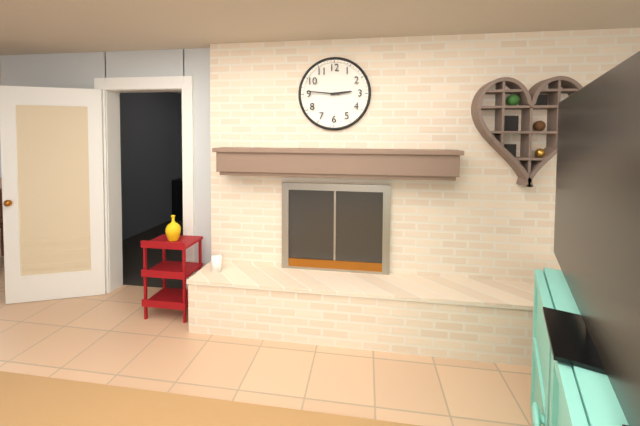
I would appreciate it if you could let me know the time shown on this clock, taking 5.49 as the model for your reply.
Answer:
2.46
